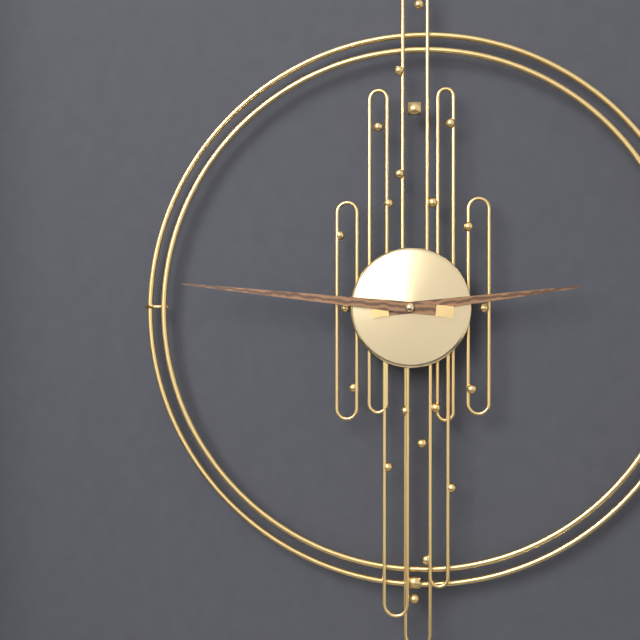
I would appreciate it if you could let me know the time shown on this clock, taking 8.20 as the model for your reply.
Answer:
2.46
